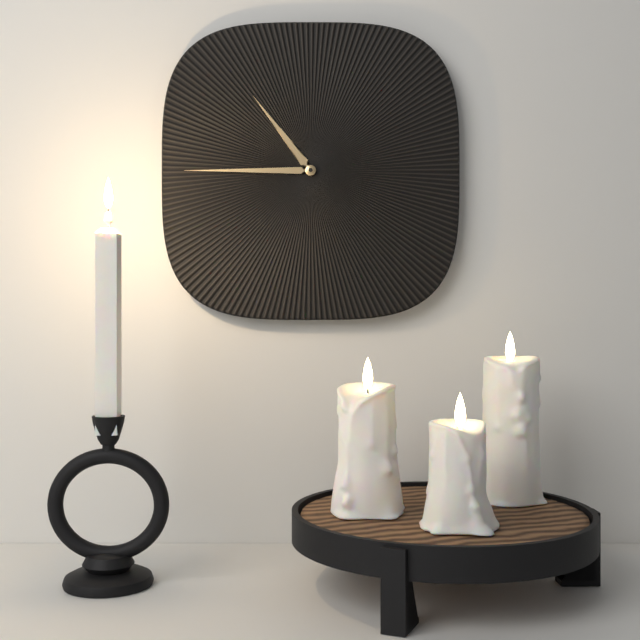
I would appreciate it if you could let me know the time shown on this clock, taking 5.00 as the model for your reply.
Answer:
10.45
